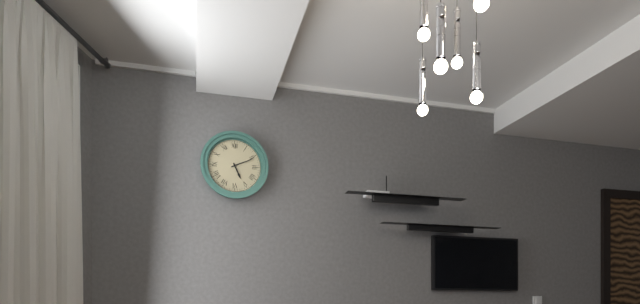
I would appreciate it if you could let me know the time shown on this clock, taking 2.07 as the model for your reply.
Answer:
5.11
